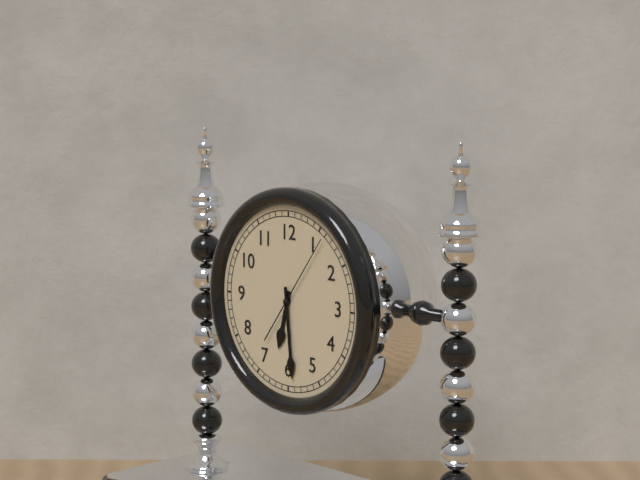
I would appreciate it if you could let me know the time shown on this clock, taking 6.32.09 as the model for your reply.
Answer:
6.29.06
